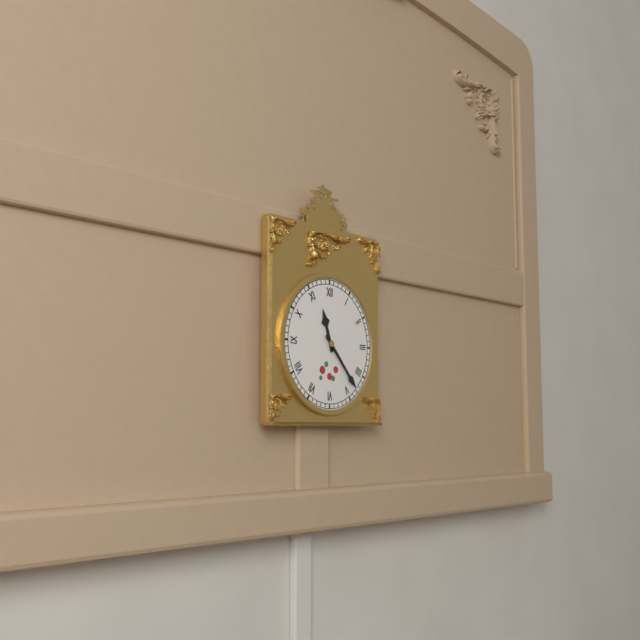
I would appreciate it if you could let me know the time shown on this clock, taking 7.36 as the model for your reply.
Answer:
11.23
